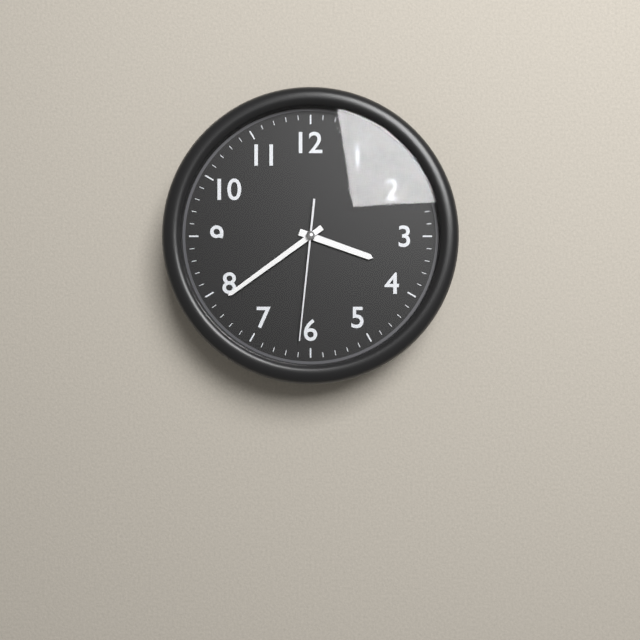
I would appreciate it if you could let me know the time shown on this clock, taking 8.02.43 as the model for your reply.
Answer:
3.39.31
